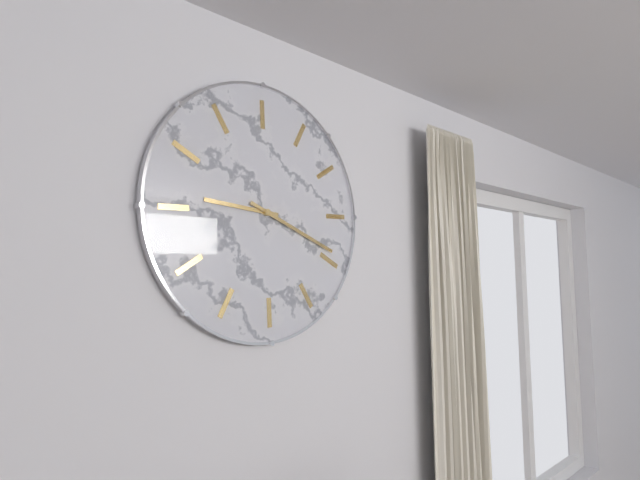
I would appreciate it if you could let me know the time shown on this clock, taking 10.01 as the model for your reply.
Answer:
8.14
